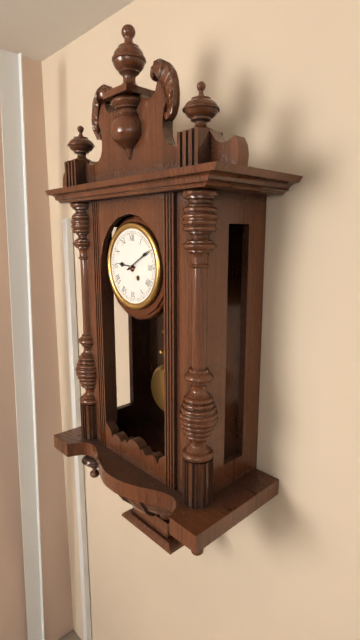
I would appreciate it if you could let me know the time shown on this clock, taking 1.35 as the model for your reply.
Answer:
9.10
